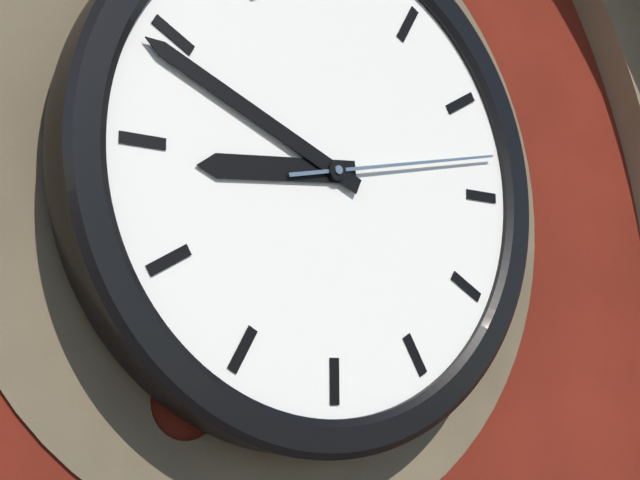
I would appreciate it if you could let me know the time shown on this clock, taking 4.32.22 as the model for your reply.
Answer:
8.49.13
